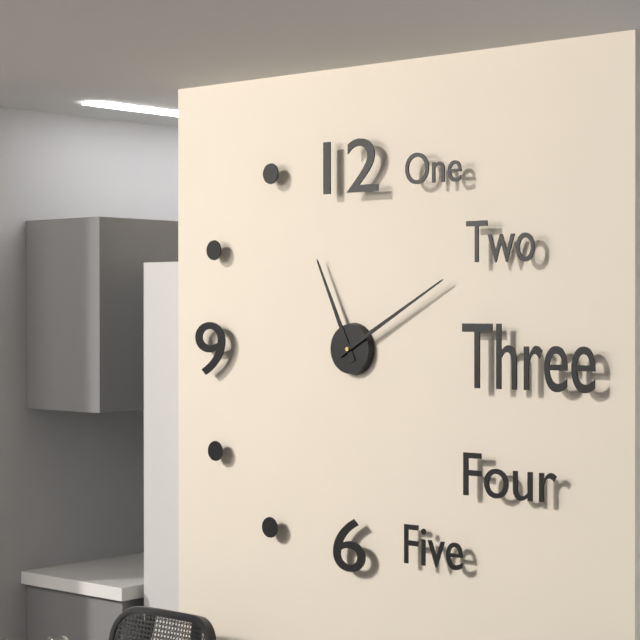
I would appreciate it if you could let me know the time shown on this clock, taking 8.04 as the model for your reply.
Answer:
11.10
